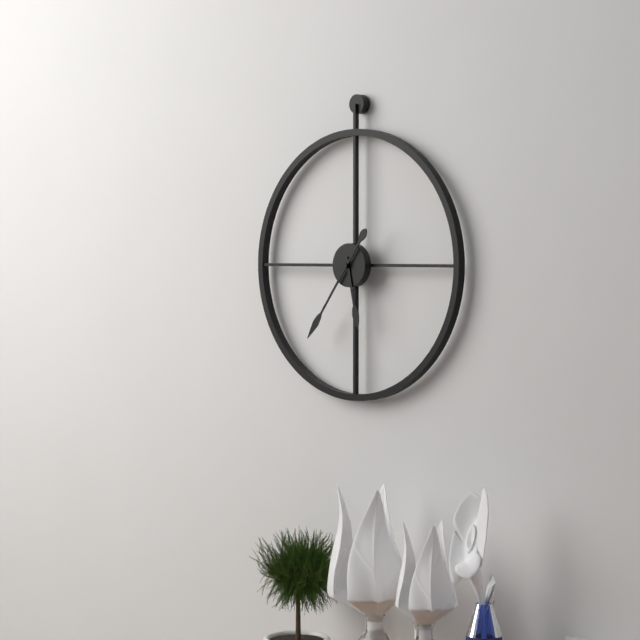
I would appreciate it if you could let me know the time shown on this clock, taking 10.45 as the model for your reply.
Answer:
5.36
